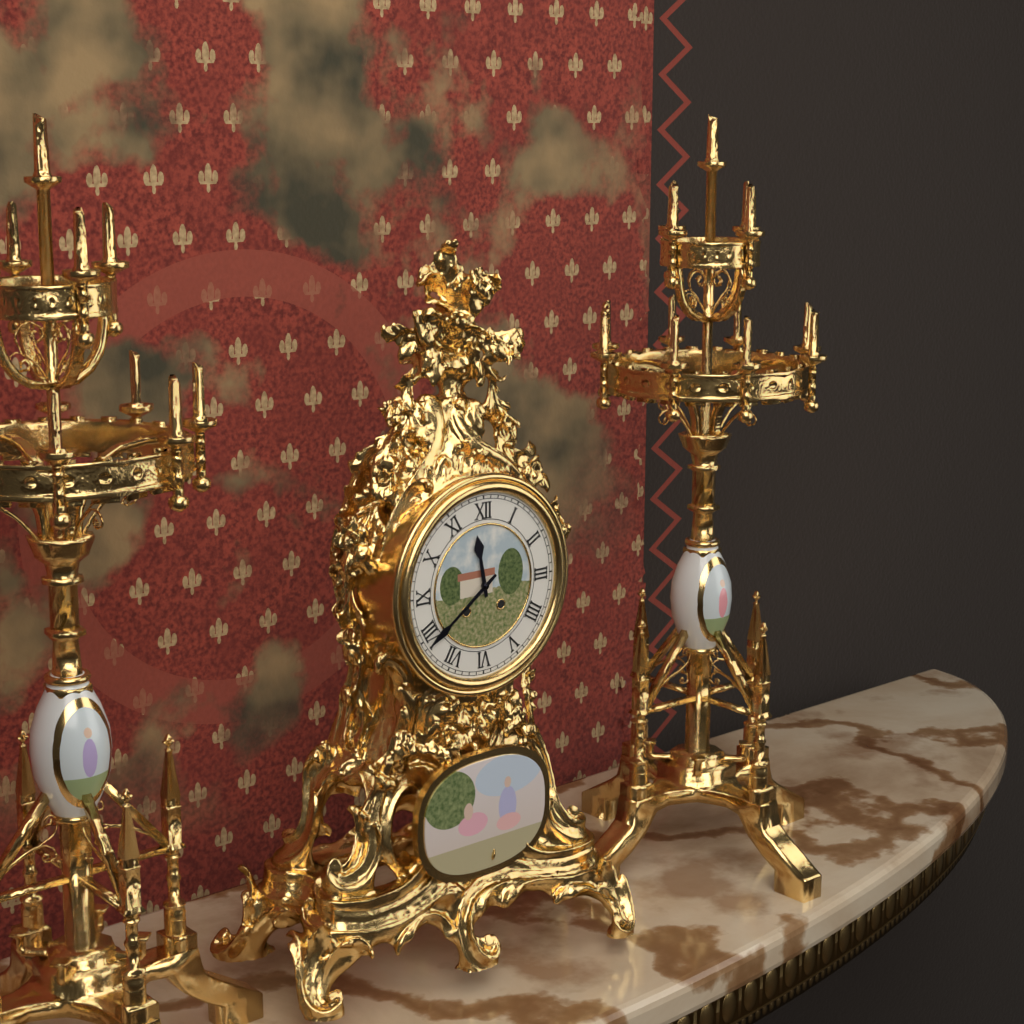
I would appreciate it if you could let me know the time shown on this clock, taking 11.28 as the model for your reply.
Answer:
11.39
